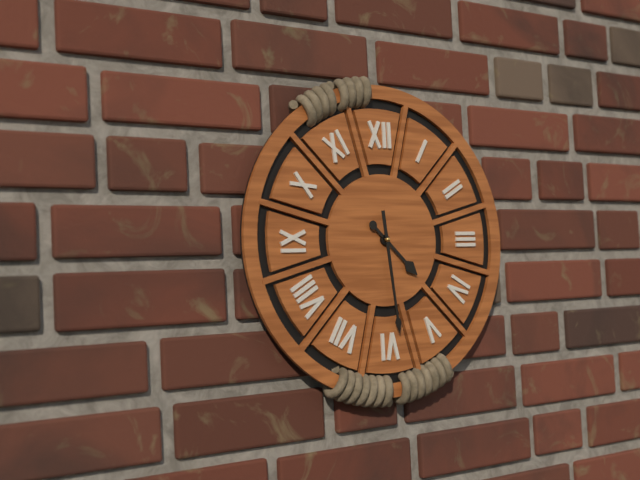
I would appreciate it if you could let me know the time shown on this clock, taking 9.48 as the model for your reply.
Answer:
4.29
